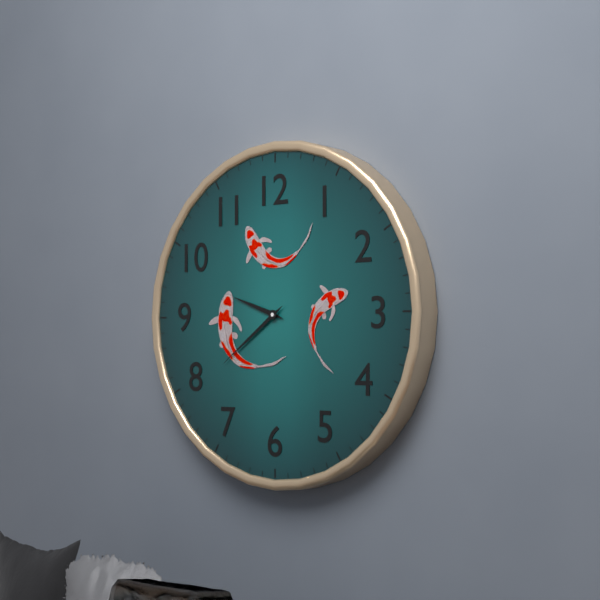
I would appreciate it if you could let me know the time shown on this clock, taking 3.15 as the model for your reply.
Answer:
9.39
